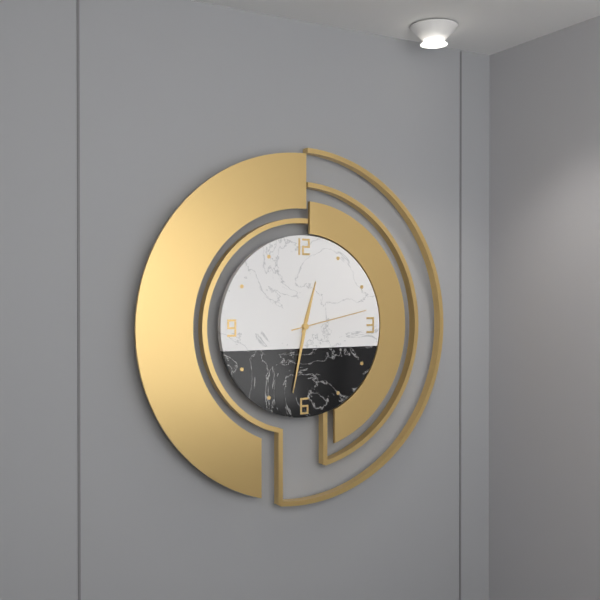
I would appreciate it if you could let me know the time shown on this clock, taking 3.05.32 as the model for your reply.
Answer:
12.32.13
